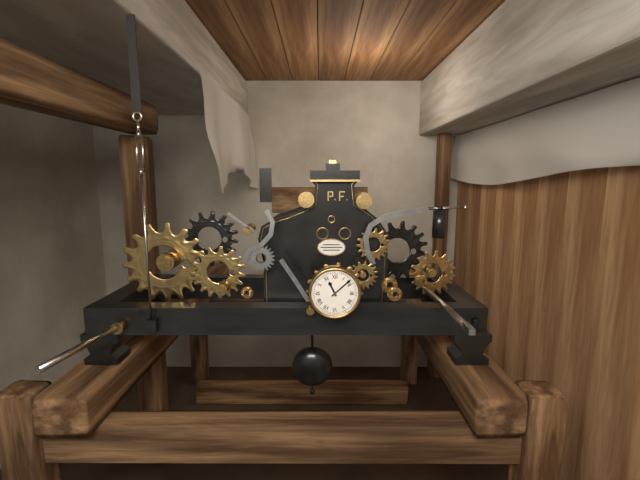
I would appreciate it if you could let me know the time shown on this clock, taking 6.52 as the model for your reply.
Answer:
11.08
